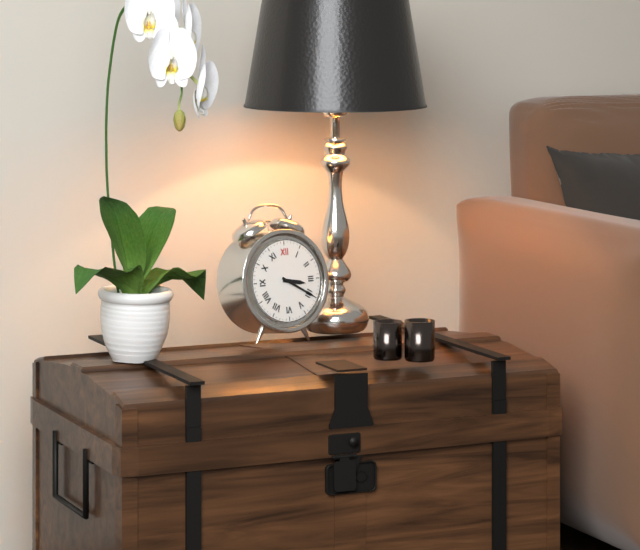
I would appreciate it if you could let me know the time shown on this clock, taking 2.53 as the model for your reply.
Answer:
3.20
